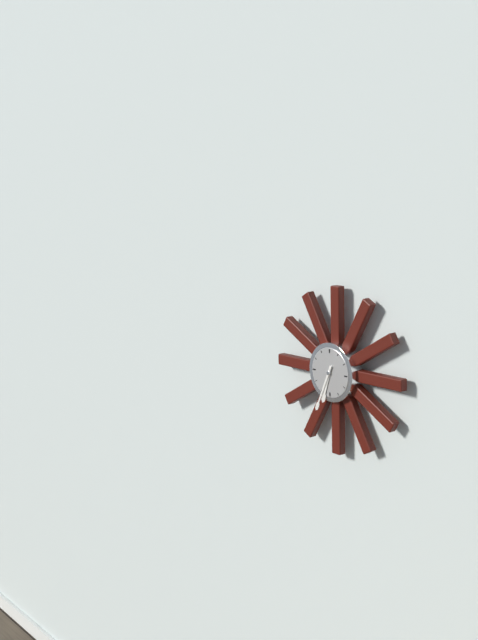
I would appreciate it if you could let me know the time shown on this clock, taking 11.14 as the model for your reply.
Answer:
6.34
